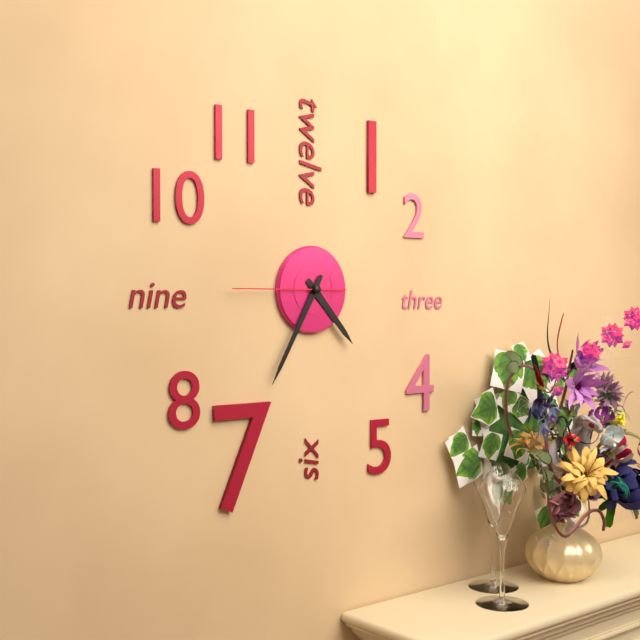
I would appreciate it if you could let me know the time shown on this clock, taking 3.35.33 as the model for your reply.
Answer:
4.35.45
